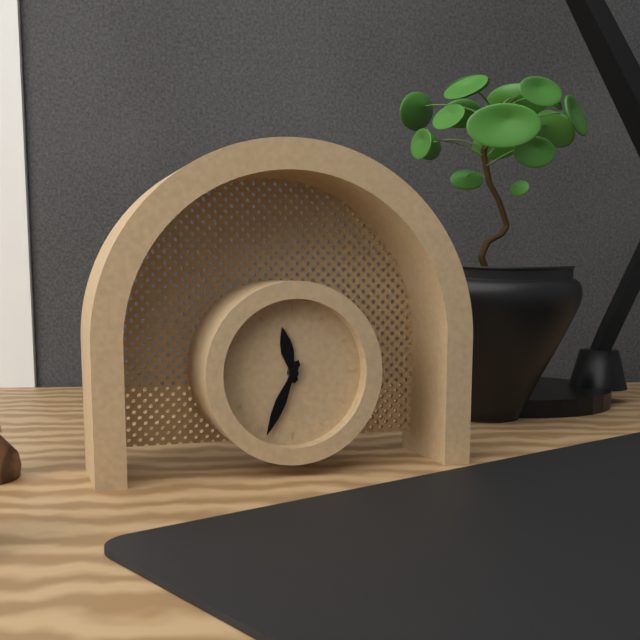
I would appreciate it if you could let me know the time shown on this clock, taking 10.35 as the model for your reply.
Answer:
11.34
